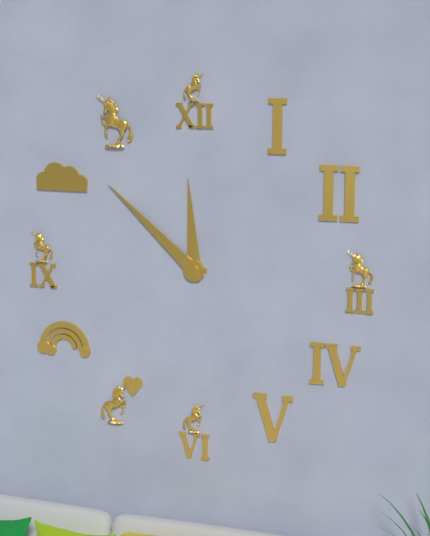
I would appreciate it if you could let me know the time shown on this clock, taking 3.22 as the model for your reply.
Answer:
11.52
